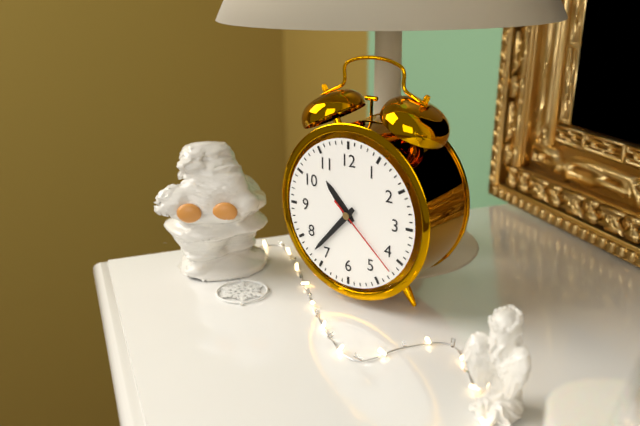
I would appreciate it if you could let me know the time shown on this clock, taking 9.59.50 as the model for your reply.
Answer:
10.37.22
